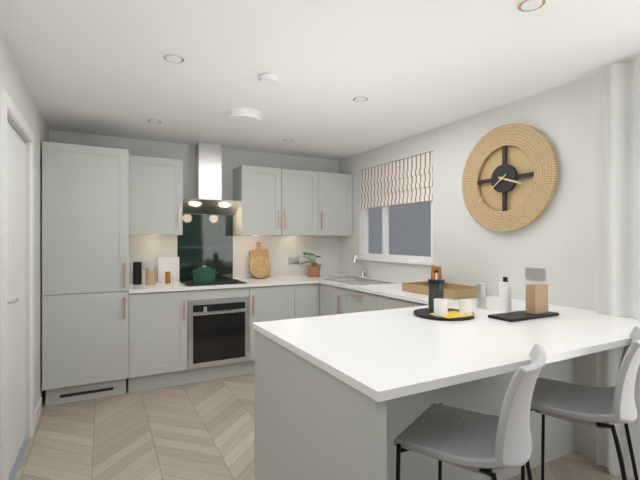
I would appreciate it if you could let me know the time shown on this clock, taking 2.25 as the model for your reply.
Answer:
3.39
